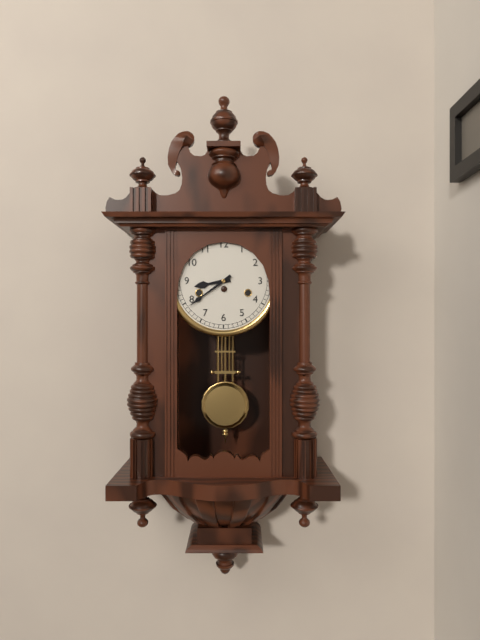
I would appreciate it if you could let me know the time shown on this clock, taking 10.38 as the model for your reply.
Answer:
8.39
